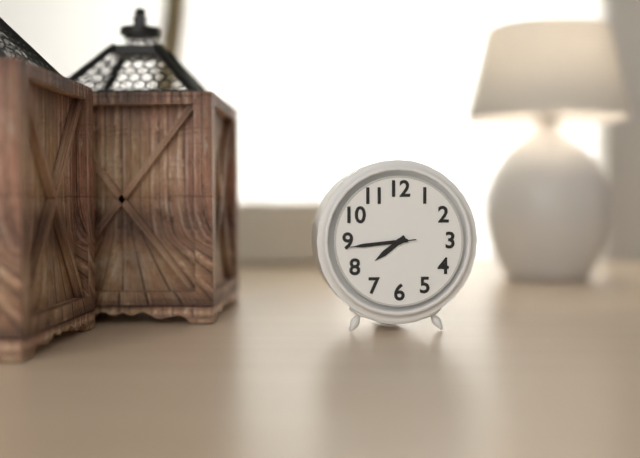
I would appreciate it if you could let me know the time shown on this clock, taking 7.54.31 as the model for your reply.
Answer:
7.44.44
